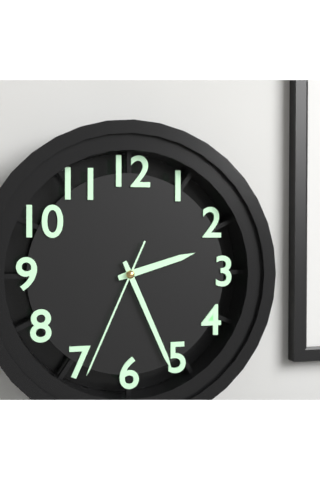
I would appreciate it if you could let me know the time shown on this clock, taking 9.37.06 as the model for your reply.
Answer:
2.26.34
